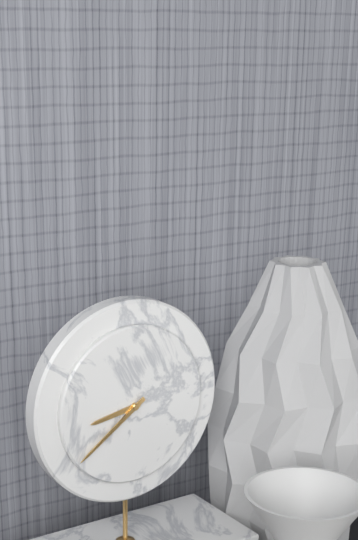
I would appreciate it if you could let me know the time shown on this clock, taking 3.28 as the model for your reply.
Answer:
8.39
